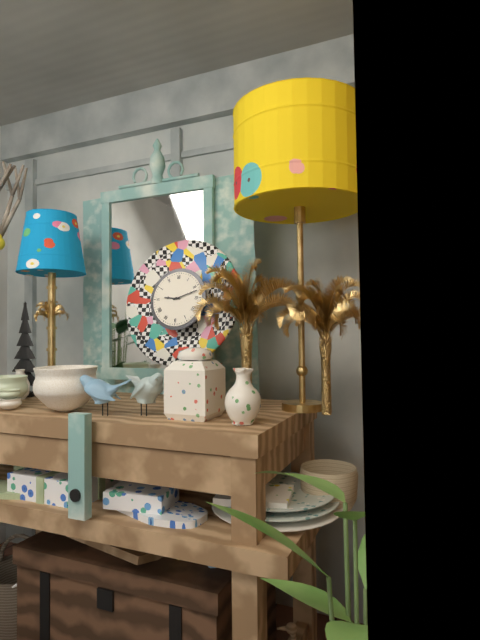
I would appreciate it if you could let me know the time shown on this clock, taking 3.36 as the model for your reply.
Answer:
9.12
